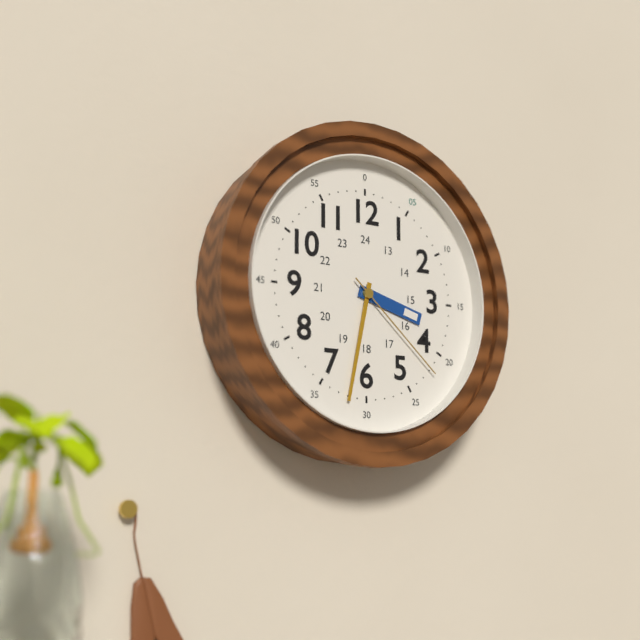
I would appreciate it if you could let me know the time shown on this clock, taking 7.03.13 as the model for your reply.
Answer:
3.32.22
